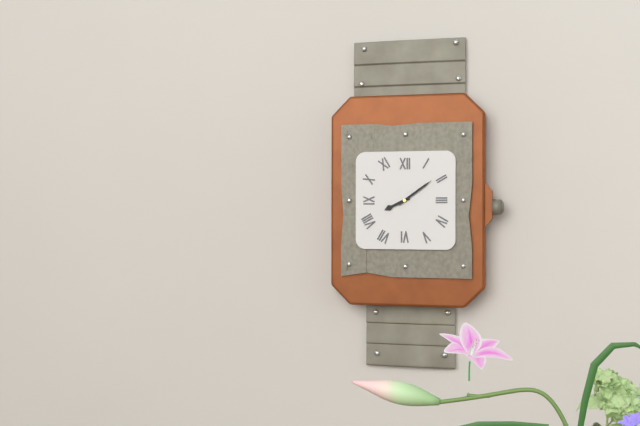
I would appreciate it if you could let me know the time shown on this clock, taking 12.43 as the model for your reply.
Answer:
8.09
